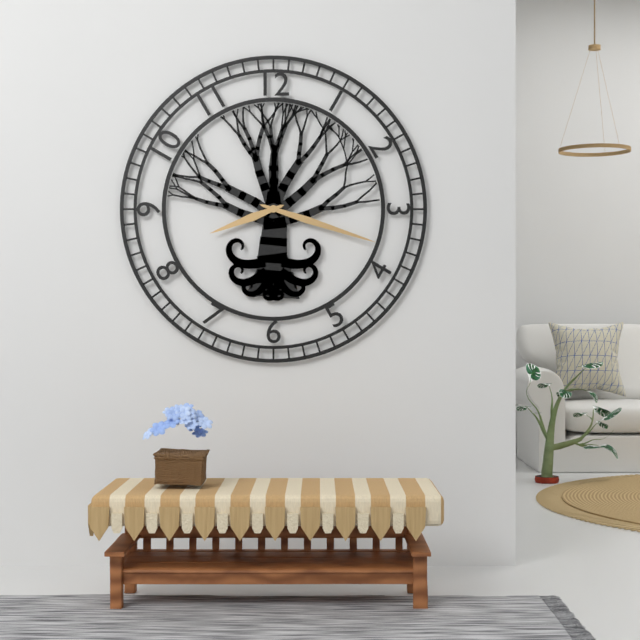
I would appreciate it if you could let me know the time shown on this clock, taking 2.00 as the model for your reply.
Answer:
8.18
